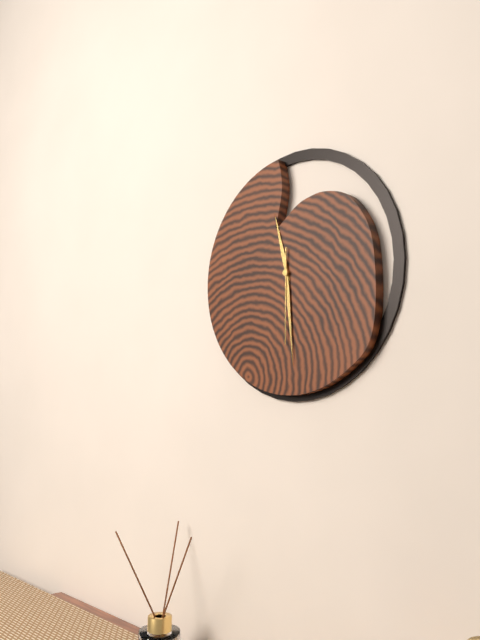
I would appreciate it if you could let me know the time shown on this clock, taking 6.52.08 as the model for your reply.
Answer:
11.29.30
